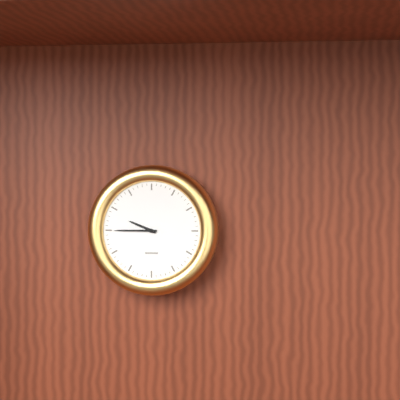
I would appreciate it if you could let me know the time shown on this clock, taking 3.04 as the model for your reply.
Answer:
9.45
